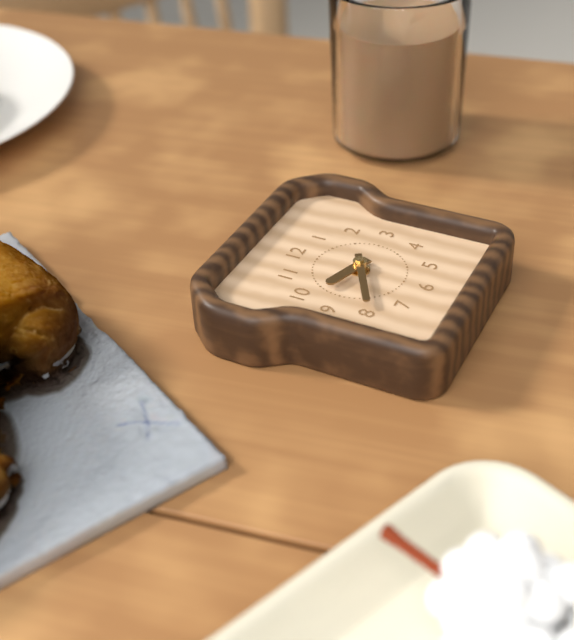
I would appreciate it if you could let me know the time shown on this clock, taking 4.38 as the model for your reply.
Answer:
9.40
